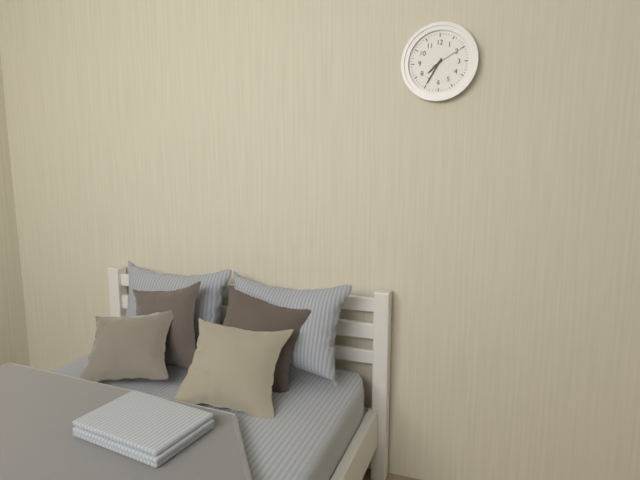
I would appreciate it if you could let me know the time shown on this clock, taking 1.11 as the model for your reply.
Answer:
7.35
